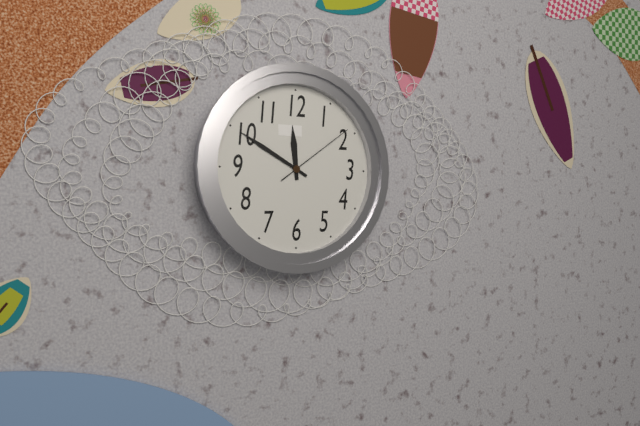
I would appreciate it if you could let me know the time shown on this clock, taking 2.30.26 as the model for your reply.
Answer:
11.50.09
